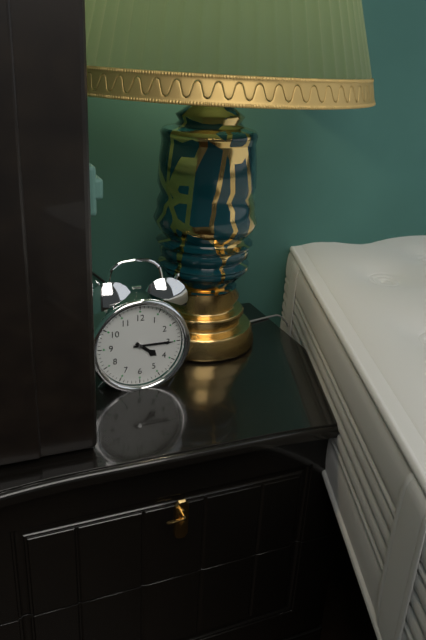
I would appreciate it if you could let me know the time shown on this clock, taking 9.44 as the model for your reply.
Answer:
4.15
